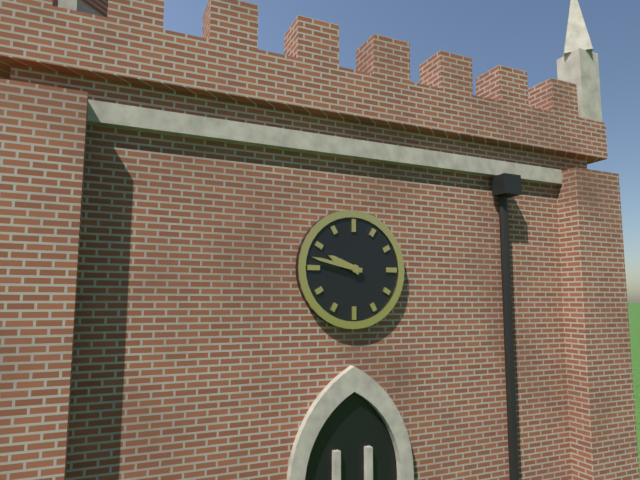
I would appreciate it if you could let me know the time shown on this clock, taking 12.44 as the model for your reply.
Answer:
9.47
